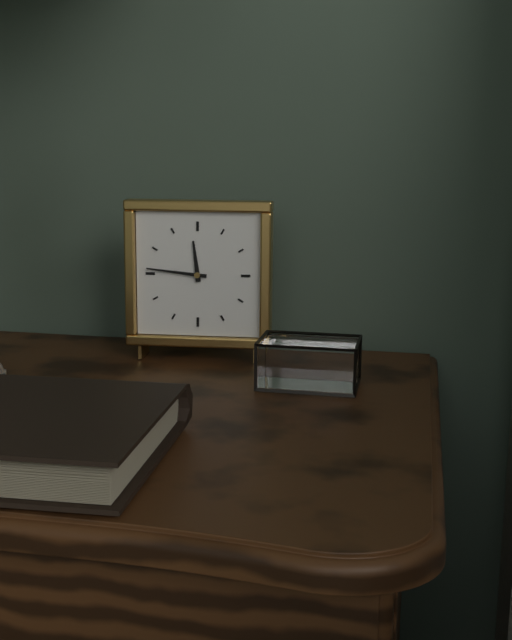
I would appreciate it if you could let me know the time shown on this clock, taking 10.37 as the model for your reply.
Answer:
11.46
